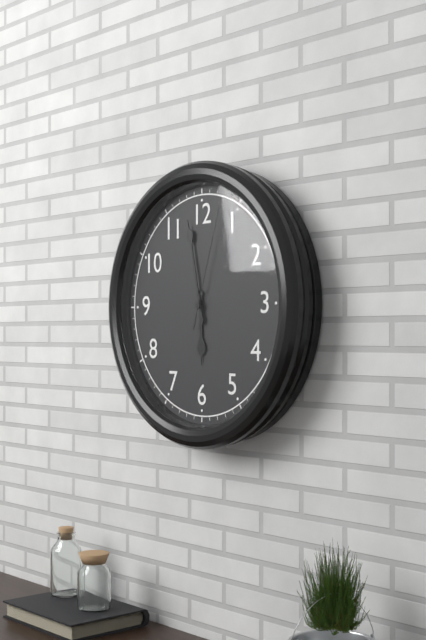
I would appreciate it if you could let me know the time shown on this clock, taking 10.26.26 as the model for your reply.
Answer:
5.58.03
